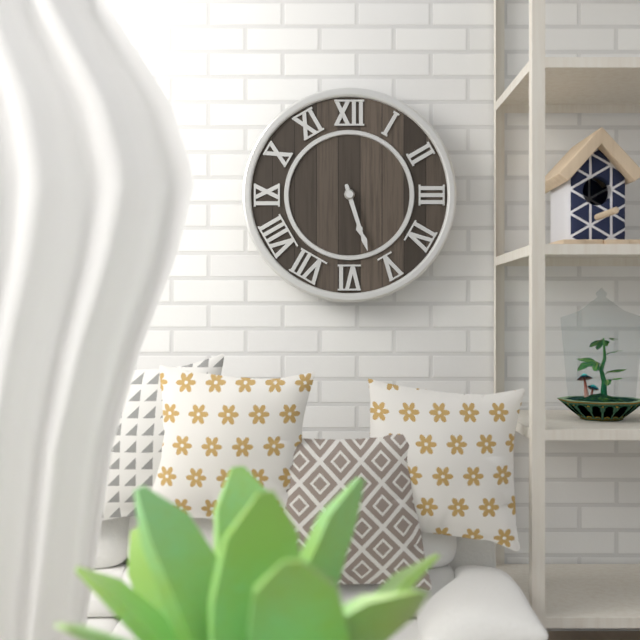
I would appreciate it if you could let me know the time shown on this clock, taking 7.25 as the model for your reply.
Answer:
5.27
